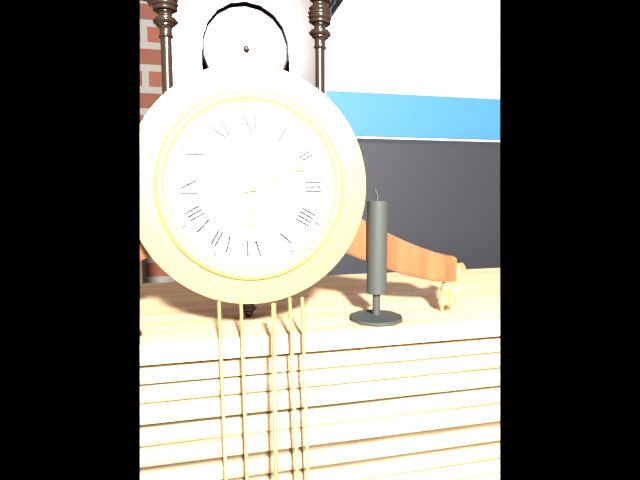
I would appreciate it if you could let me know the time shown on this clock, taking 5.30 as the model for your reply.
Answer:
6.11
